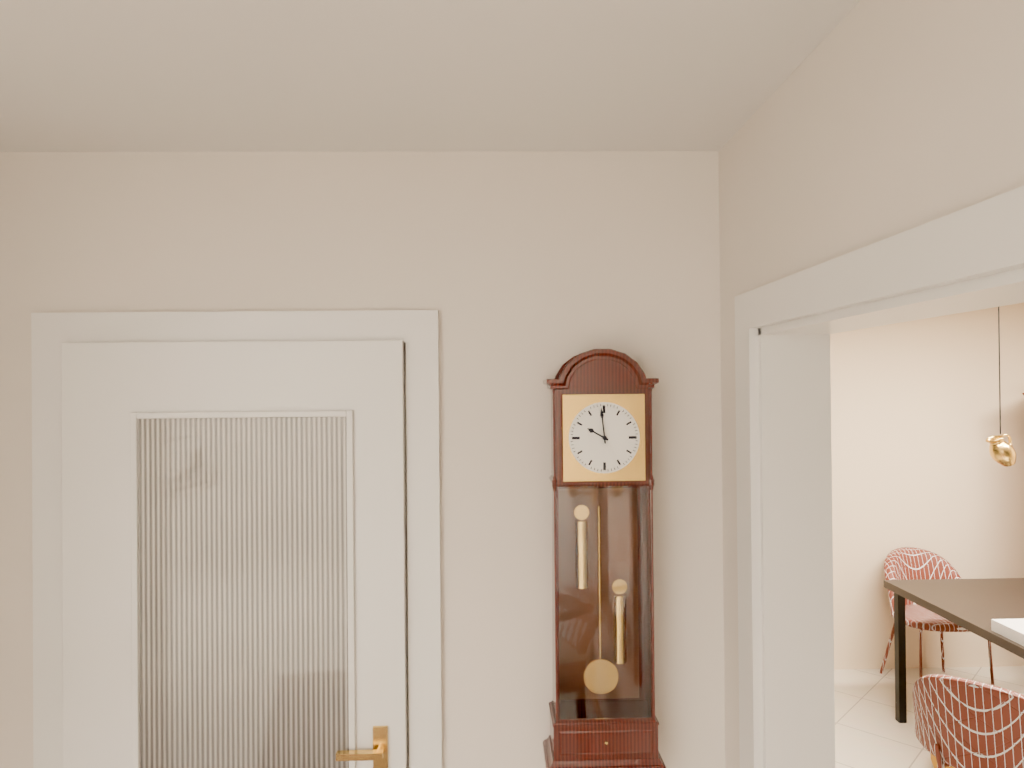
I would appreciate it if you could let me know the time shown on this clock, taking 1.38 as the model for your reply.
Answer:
9.59
